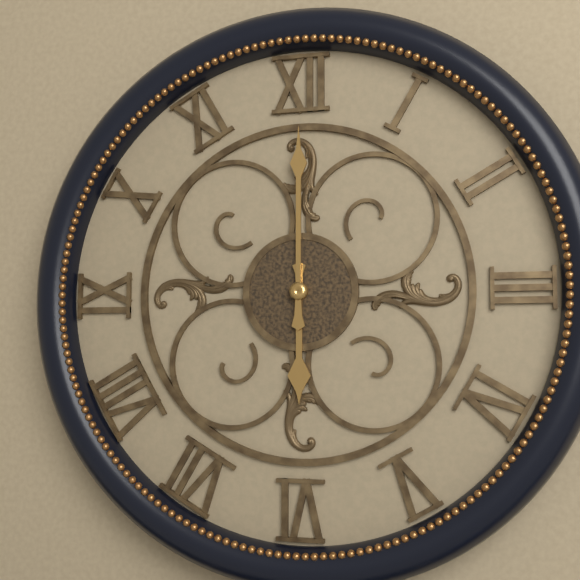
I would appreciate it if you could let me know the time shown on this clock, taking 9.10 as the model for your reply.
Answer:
6.00
